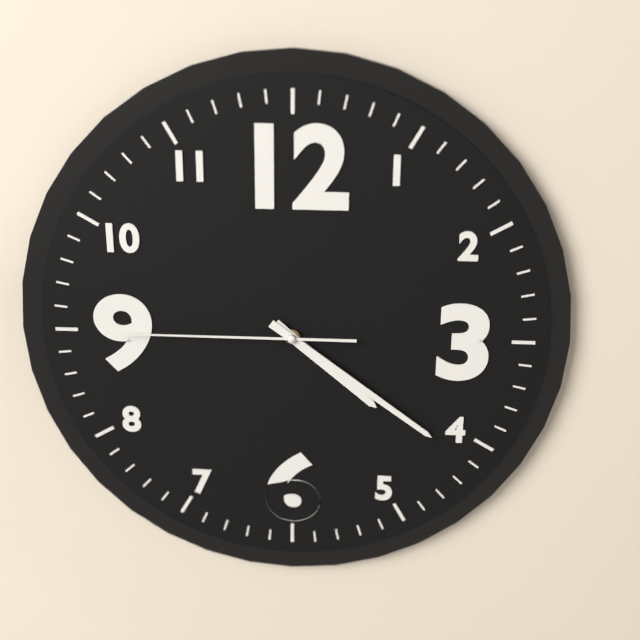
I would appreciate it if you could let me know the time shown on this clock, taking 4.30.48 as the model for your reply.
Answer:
4.21.45
